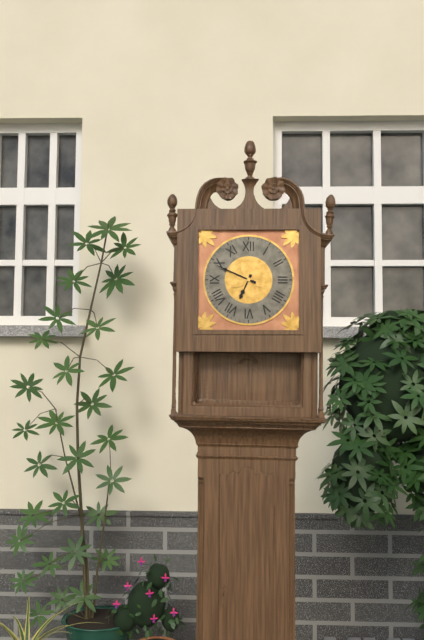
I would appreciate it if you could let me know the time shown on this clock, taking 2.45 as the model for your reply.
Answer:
6.49
